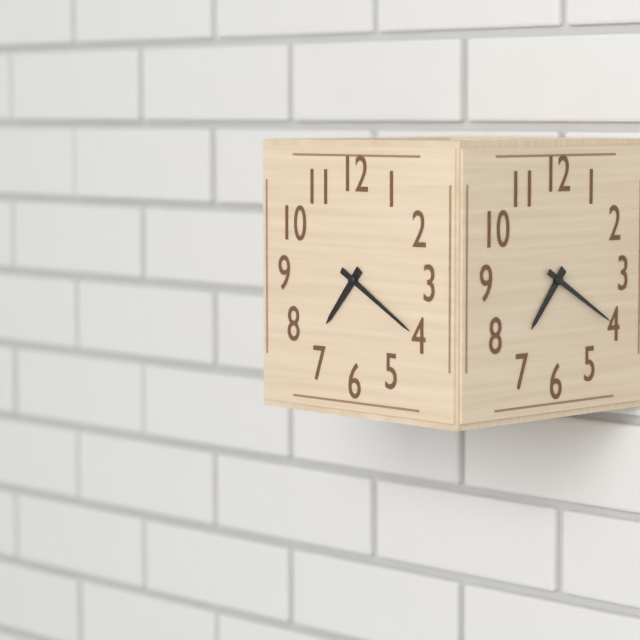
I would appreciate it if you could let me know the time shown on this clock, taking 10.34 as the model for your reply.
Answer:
7.20
